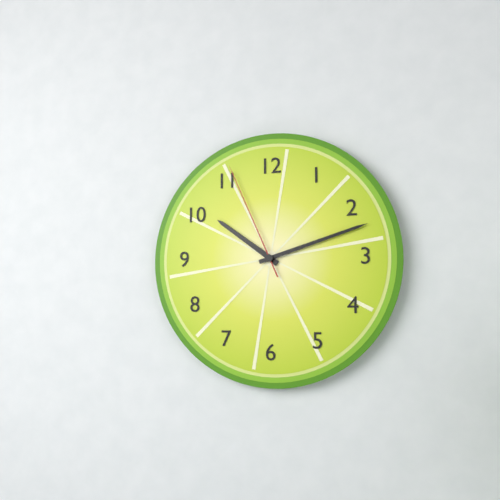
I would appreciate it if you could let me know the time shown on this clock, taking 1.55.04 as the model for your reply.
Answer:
10.12.56
